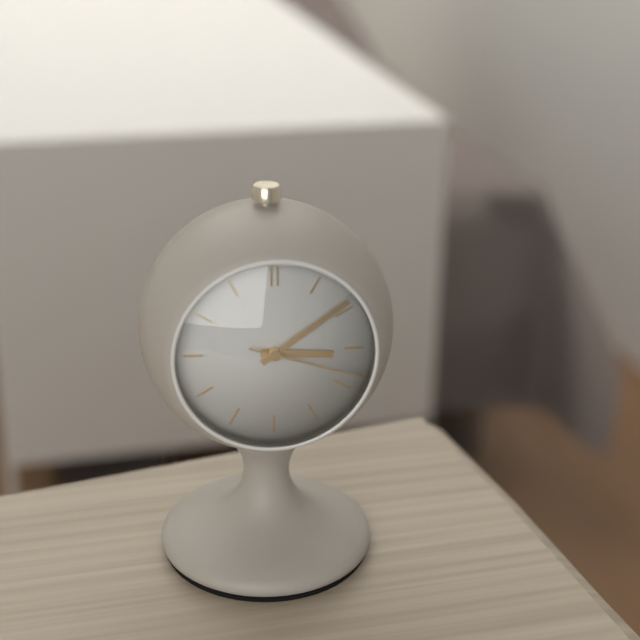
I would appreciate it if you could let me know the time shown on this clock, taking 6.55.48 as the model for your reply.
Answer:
3.09.18
